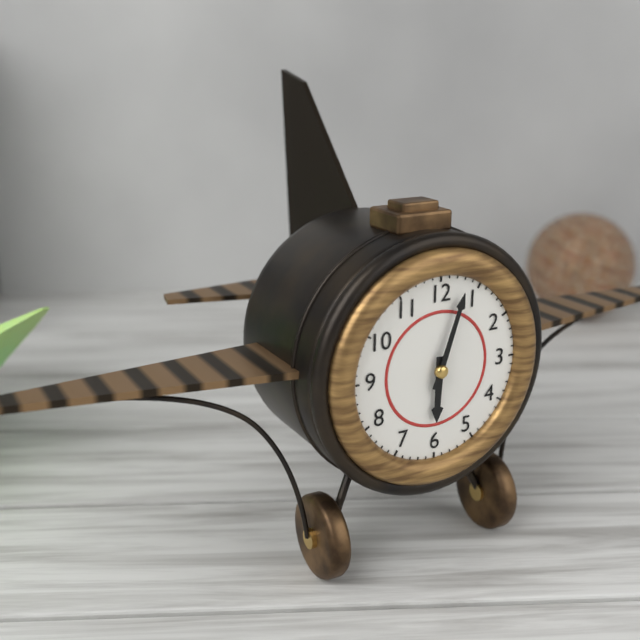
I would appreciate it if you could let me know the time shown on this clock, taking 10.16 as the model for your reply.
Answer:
6.03
